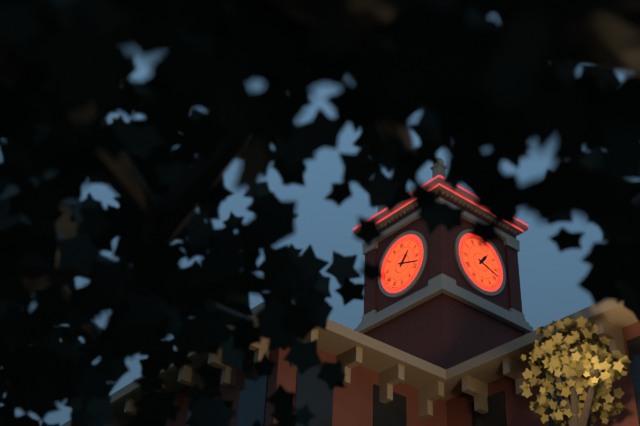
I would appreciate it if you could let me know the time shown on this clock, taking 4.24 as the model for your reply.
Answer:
1.18
